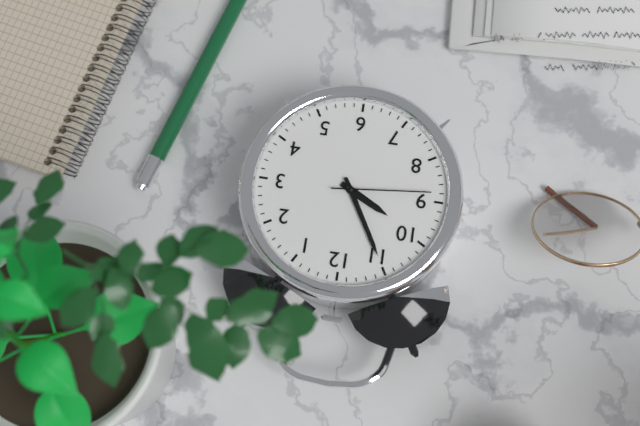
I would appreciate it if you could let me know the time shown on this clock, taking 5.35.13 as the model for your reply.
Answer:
9.55.44
